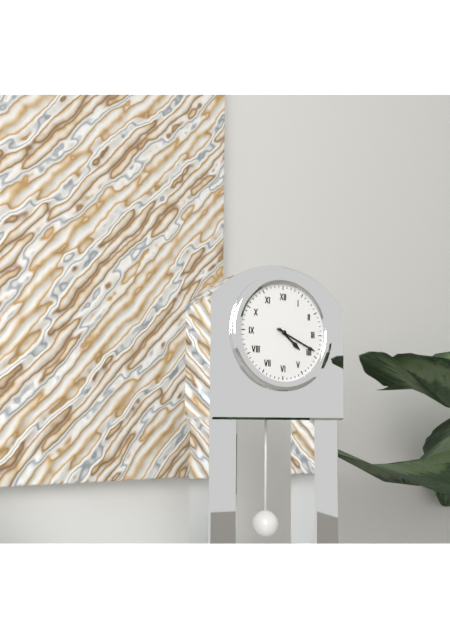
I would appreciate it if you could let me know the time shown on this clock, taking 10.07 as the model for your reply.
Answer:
4.19
